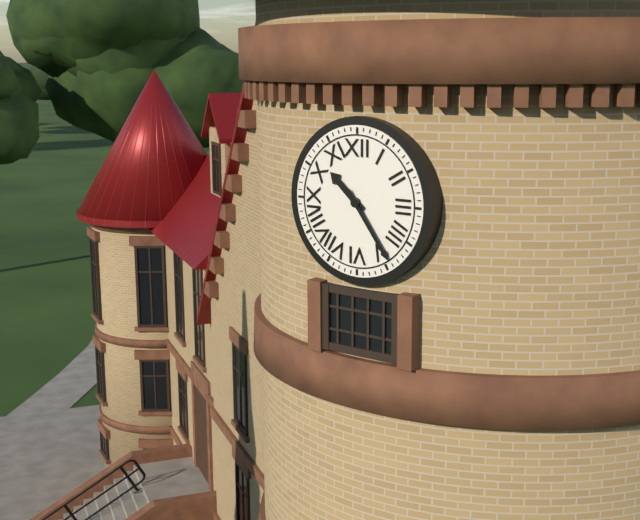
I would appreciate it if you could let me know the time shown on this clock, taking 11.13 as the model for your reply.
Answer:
10.24
